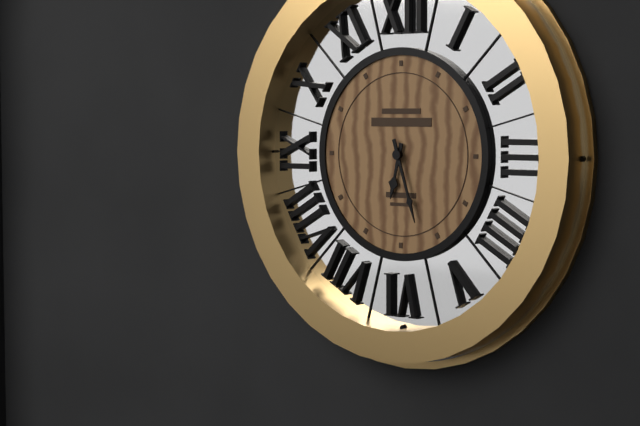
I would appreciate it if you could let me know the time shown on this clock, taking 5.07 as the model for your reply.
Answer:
6.27
